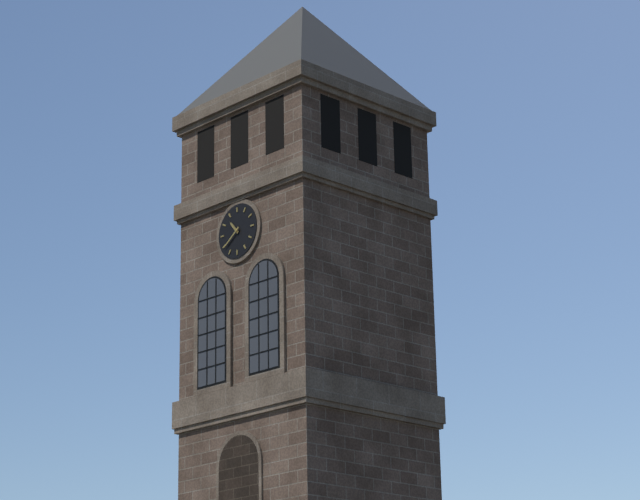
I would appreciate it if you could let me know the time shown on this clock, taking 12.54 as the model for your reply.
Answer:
10.39
